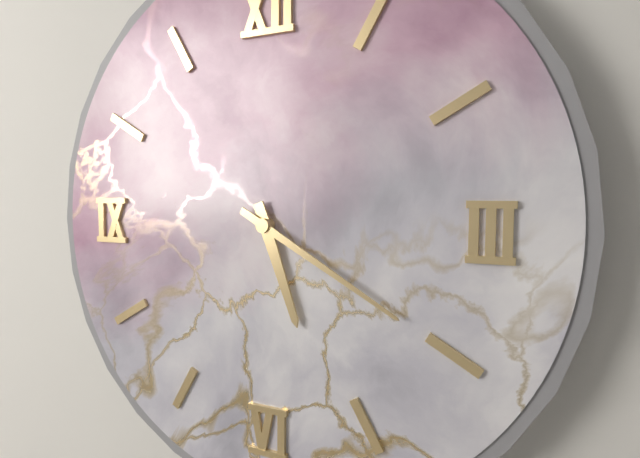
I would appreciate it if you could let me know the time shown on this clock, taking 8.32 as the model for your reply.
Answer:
5.20
